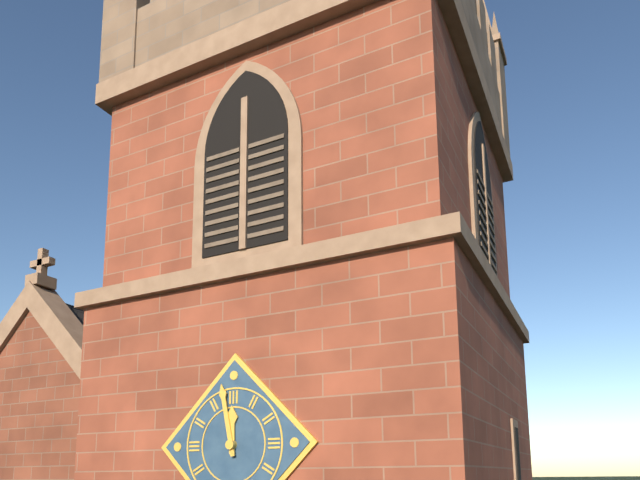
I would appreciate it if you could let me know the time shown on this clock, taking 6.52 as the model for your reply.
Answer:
11.58
